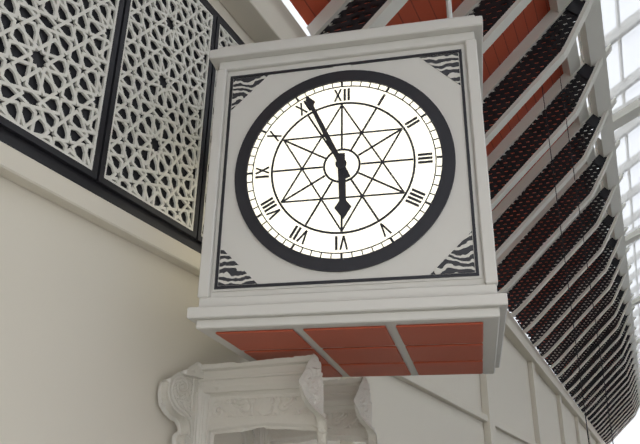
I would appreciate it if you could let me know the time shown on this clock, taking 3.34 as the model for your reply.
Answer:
5.56
